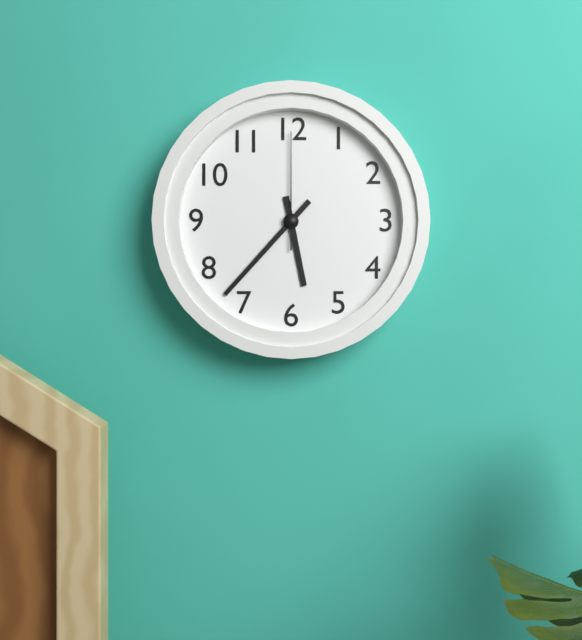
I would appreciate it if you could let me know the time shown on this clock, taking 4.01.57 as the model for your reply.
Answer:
5.37.00
